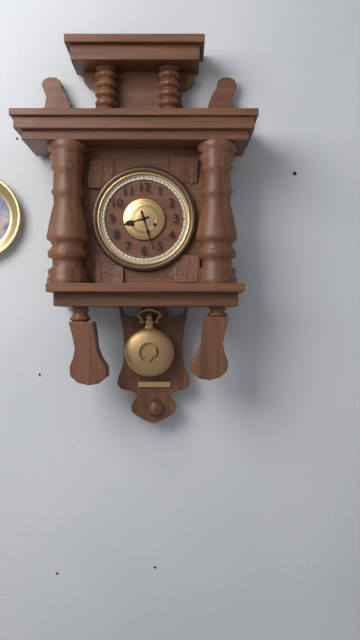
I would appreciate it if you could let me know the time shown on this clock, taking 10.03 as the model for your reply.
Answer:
8.27
